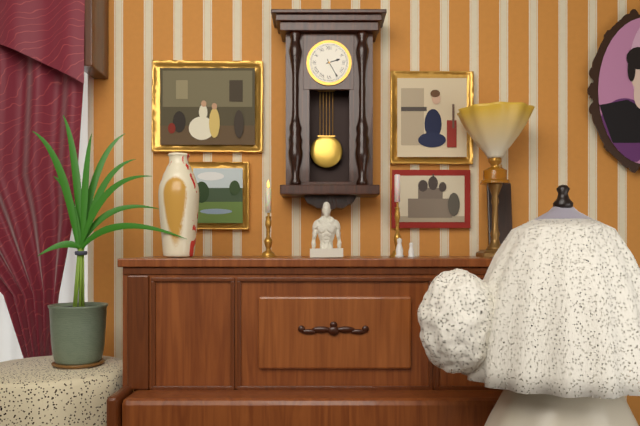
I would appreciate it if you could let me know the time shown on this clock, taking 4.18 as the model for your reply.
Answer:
2.25
